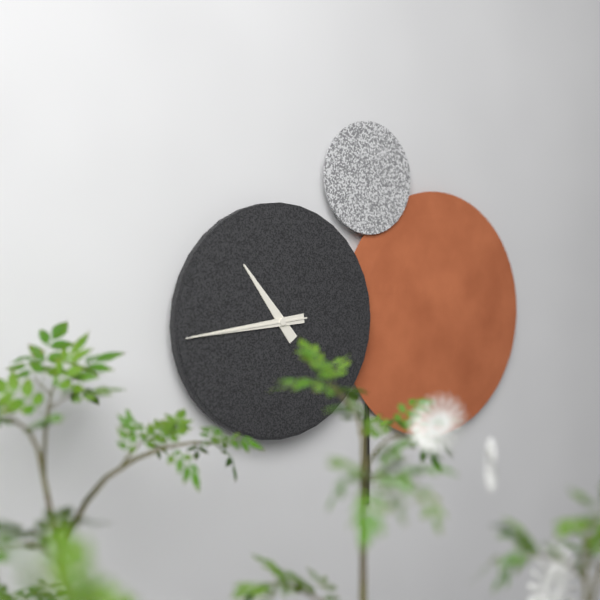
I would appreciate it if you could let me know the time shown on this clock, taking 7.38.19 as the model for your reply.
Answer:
10.44.44
